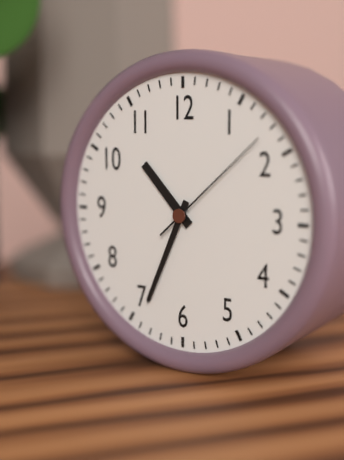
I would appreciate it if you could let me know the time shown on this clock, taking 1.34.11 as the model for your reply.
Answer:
10.34.08
